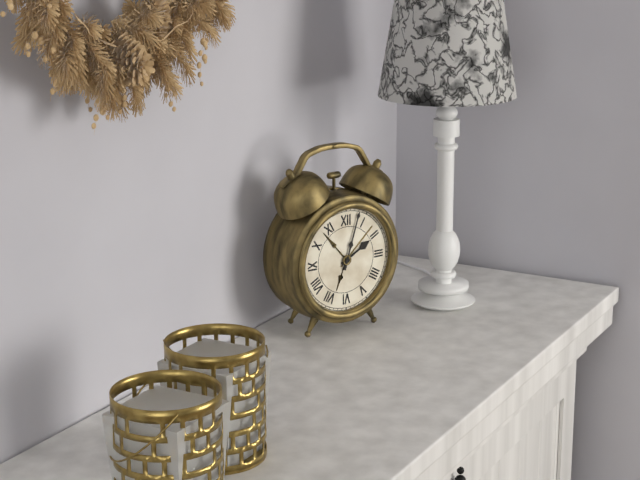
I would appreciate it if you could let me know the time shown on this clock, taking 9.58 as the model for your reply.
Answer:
2.03
